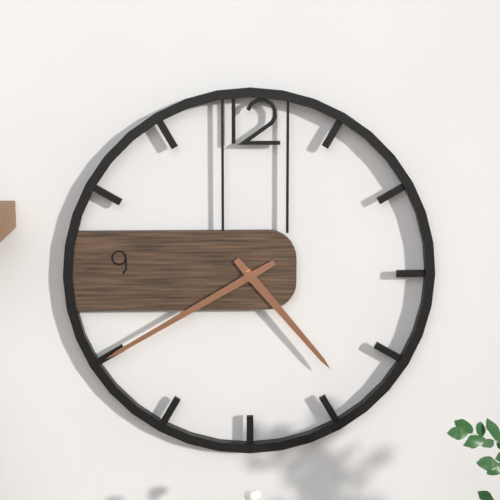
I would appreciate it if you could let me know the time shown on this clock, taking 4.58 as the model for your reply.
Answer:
4.40
